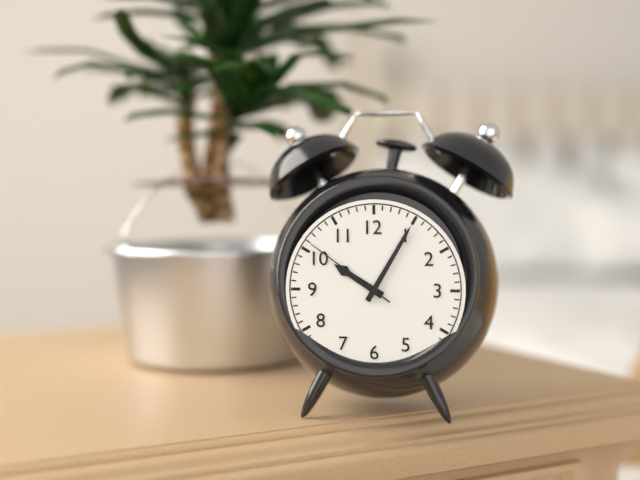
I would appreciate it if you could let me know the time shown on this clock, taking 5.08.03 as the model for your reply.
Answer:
10.05.51
